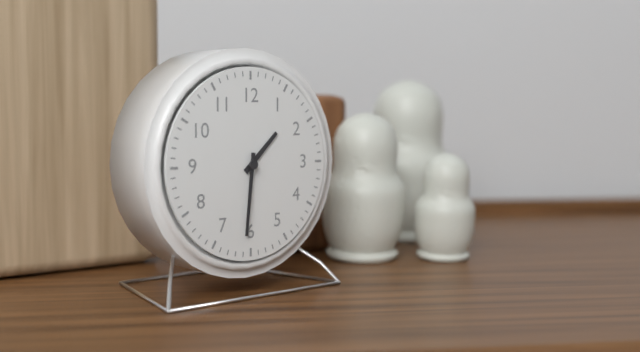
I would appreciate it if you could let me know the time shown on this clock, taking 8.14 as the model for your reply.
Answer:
1.31
